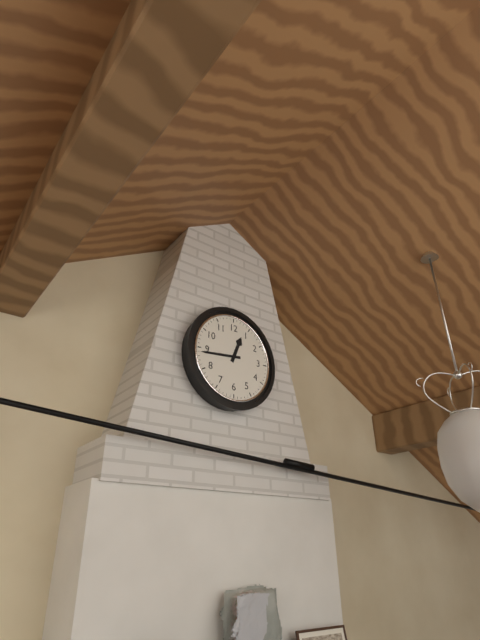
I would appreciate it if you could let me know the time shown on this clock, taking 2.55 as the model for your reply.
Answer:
12.44
